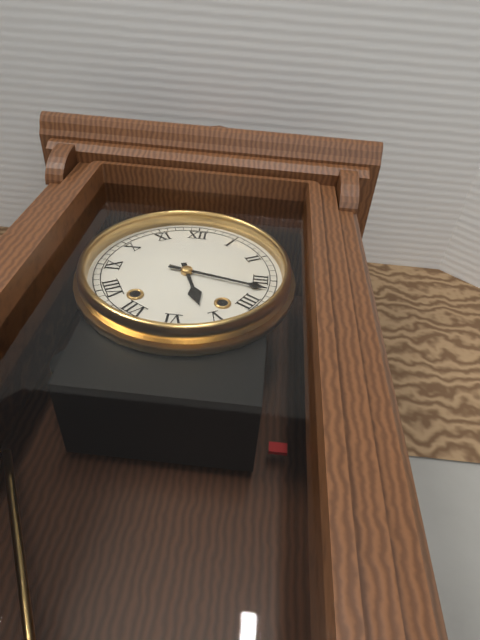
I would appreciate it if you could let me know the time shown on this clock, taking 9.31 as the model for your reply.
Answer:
5.17
